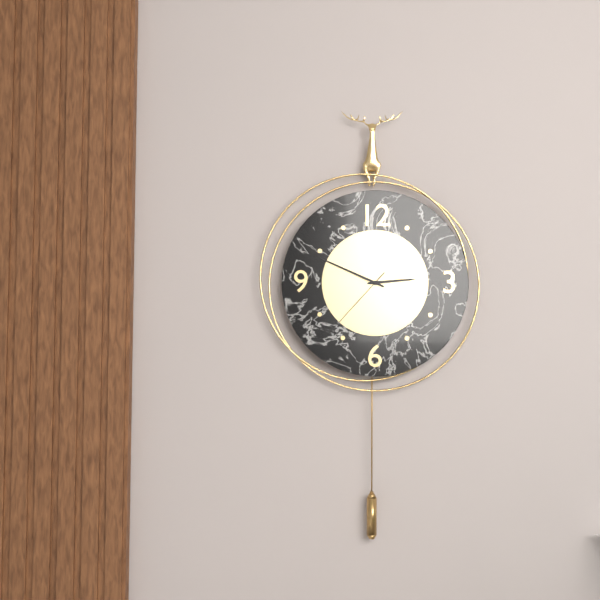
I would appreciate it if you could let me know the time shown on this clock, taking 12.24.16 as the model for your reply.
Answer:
2.49.37
